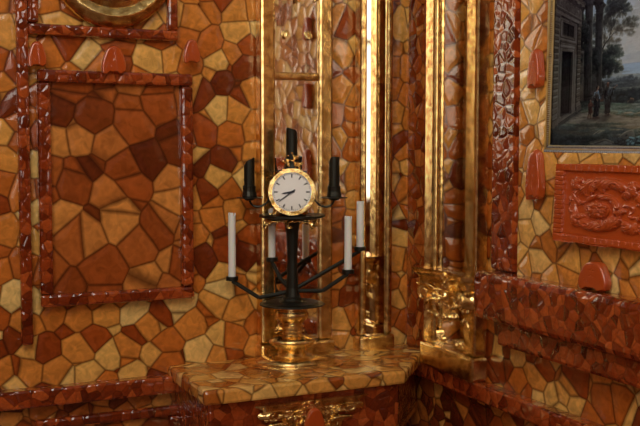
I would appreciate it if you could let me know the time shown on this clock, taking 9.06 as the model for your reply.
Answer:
8.39
